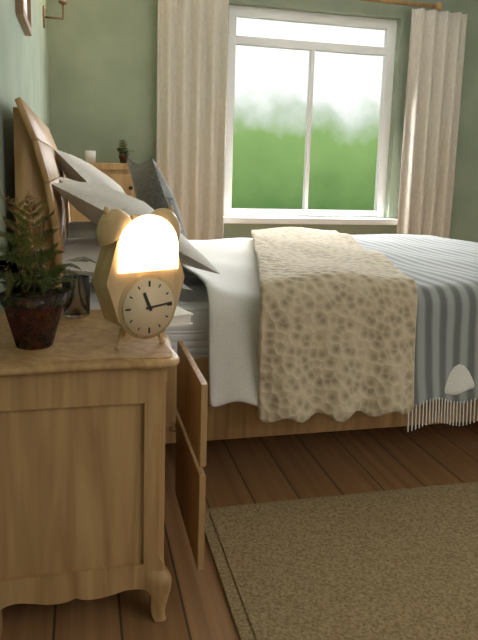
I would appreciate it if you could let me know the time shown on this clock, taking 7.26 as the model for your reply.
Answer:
11.14
